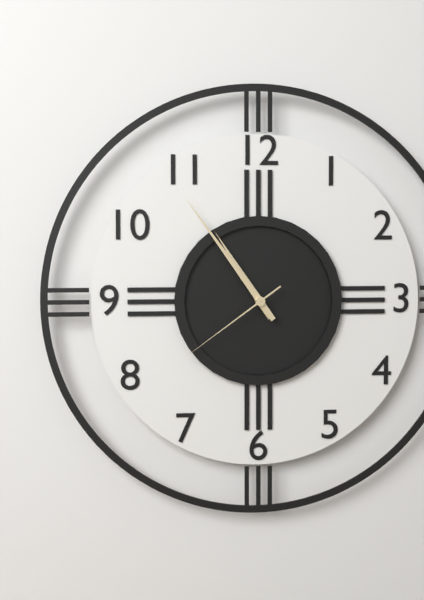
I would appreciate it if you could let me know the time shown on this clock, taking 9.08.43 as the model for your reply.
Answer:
10.54.39
